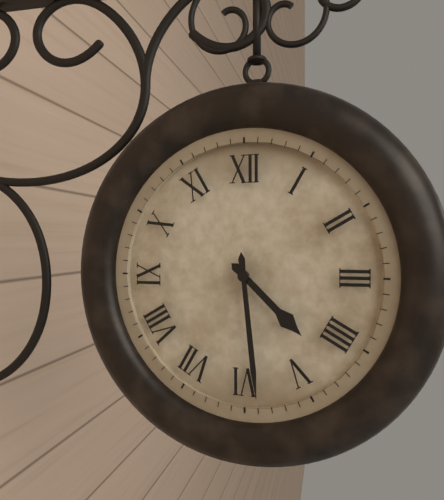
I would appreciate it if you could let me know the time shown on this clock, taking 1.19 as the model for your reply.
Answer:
4.29
